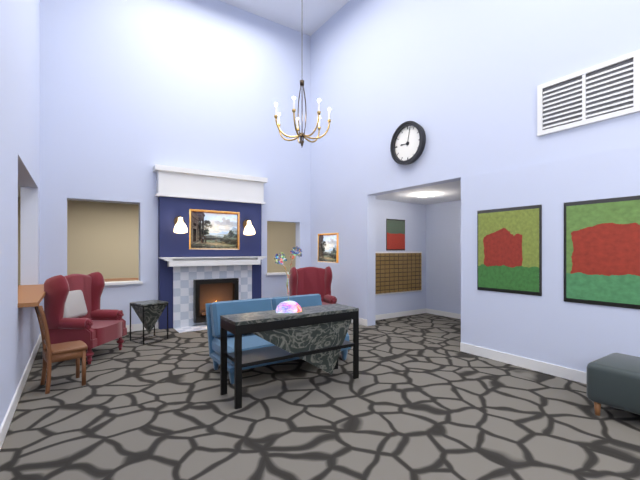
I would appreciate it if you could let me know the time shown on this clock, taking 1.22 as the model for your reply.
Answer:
9.02
